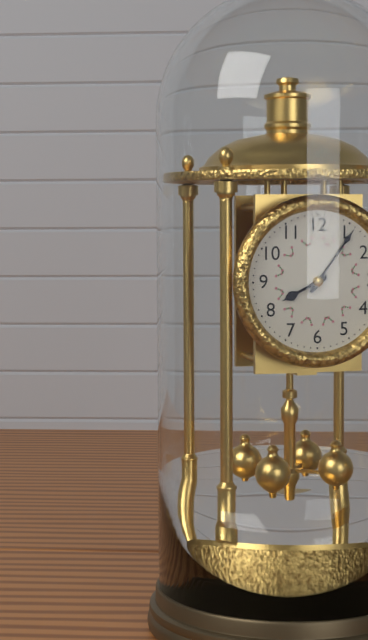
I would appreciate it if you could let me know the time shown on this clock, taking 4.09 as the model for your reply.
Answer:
8.06
